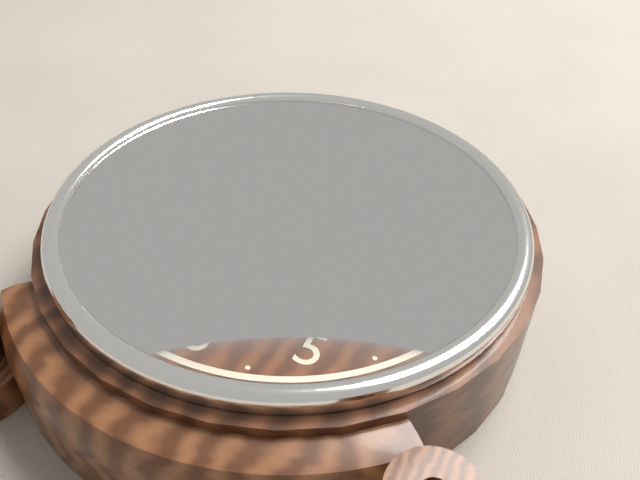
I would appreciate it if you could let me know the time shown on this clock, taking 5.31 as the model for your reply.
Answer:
9.08
